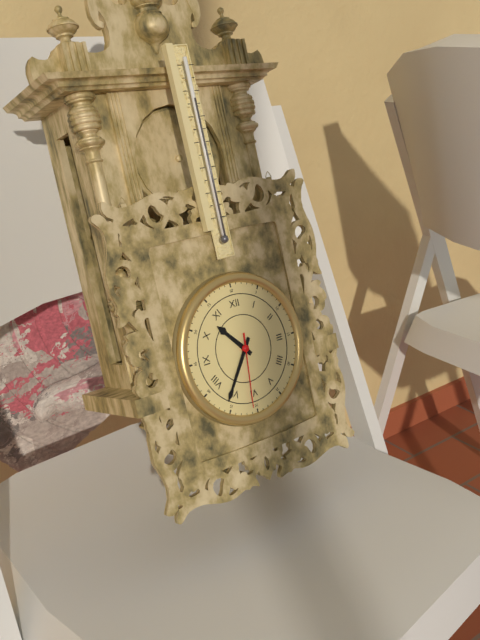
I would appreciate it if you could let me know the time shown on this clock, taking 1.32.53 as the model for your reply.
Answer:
10.36.31
